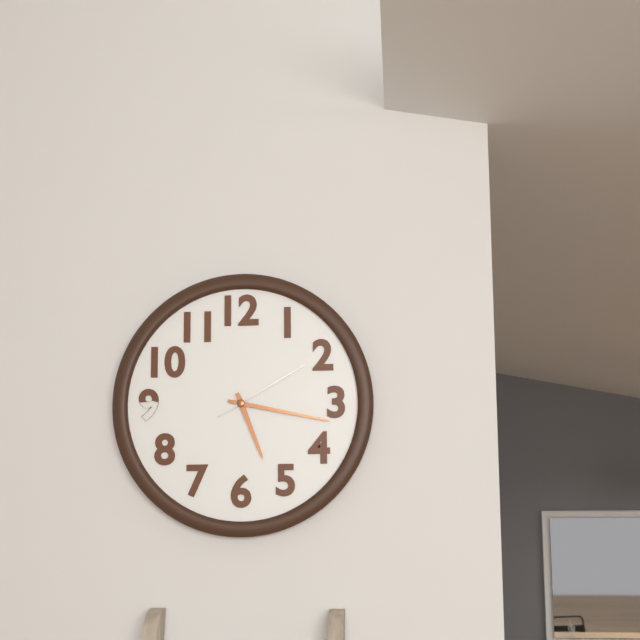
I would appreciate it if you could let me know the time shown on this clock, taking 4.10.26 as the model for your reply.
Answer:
5.17.10
